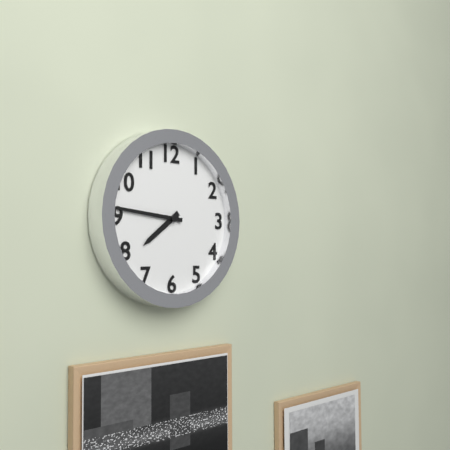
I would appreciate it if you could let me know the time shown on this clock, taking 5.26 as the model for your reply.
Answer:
7.46
